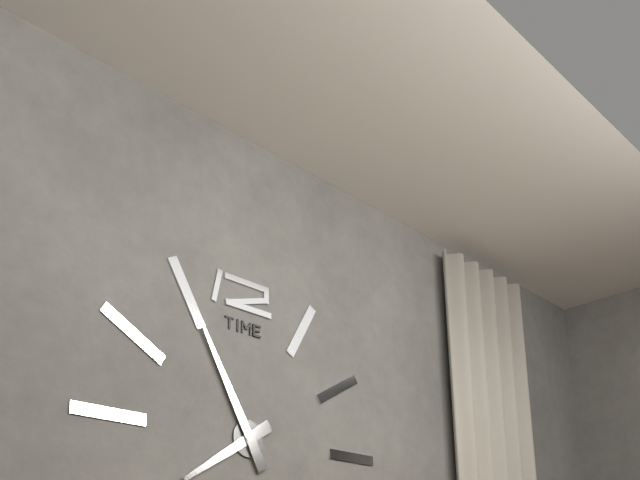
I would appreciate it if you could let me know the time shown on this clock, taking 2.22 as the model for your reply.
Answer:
7.55
